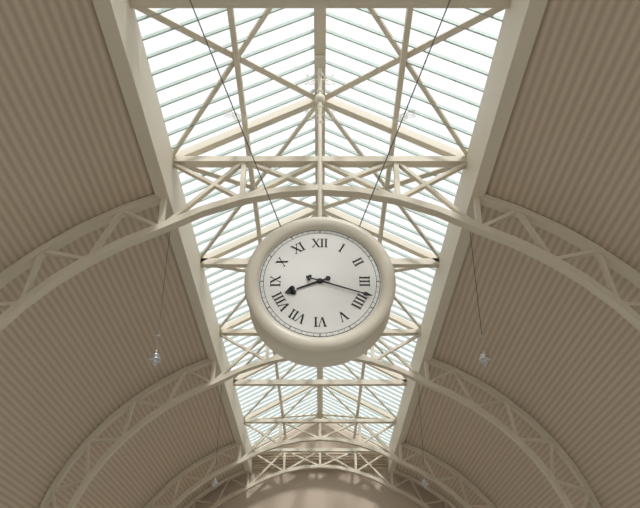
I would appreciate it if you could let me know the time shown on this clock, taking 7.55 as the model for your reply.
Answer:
8.18
